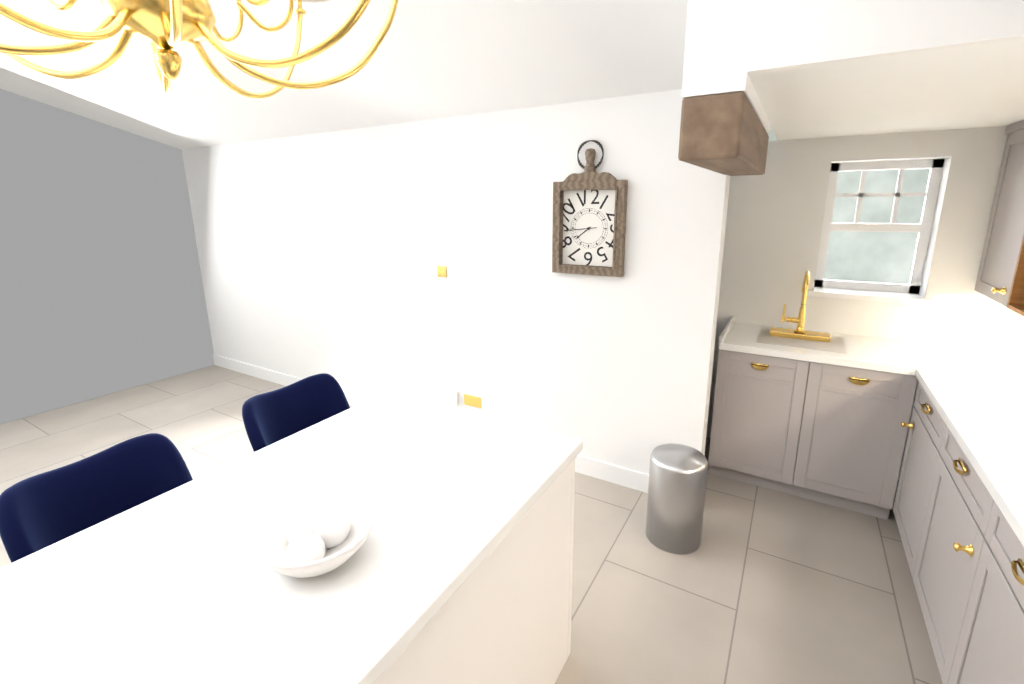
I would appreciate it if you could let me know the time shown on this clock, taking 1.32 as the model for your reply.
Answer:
7.44
